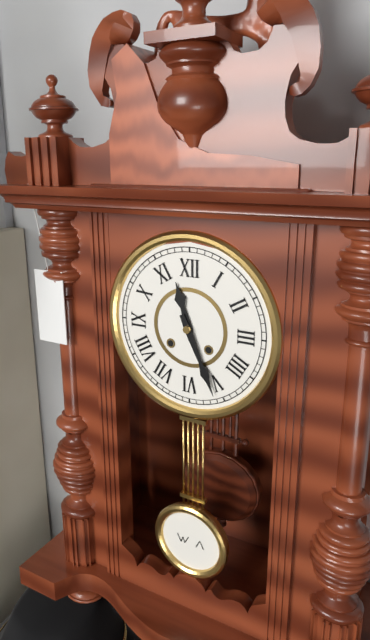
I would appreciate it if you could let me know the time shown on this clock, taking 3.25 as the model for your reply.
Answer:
11.26
